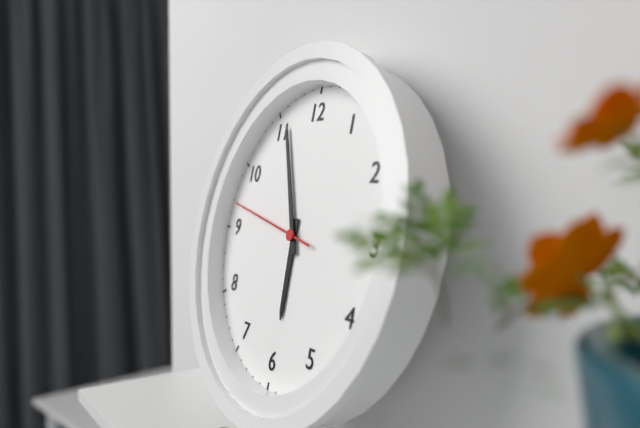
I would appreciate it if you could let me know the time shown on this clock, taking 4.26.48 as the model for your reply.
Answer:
5.56.47
